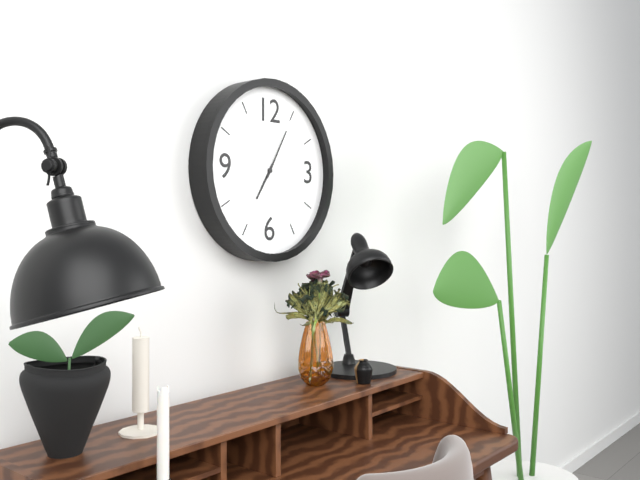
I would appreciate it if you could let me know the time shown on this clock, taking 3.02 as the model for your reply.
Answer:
7.05
